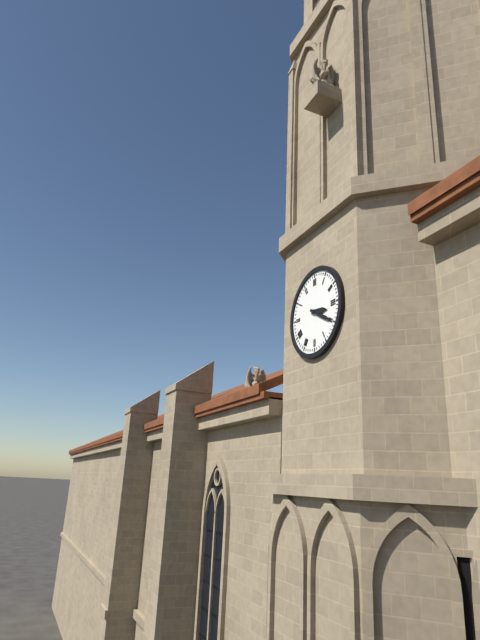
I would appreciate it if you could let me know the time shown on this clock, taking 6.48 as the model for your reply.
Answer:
3.20
